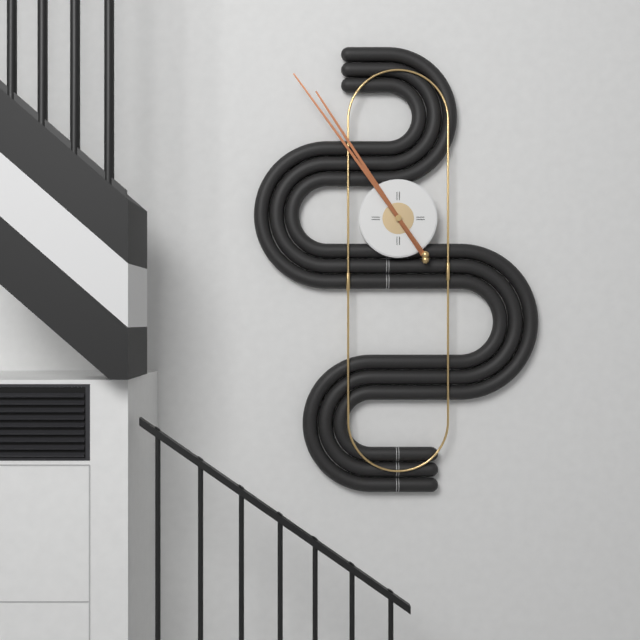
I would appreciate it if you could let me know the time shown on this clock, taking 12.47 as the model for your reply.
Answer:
10.54
